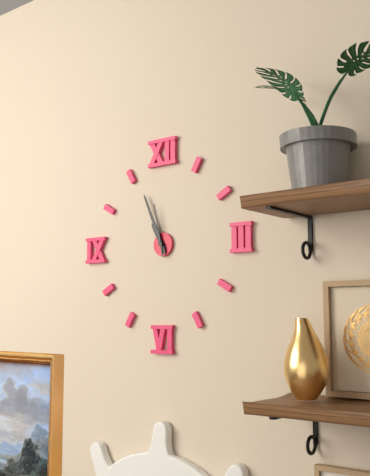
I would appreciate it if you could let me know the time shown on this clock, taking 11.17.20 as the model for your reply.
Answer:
10.56.58
